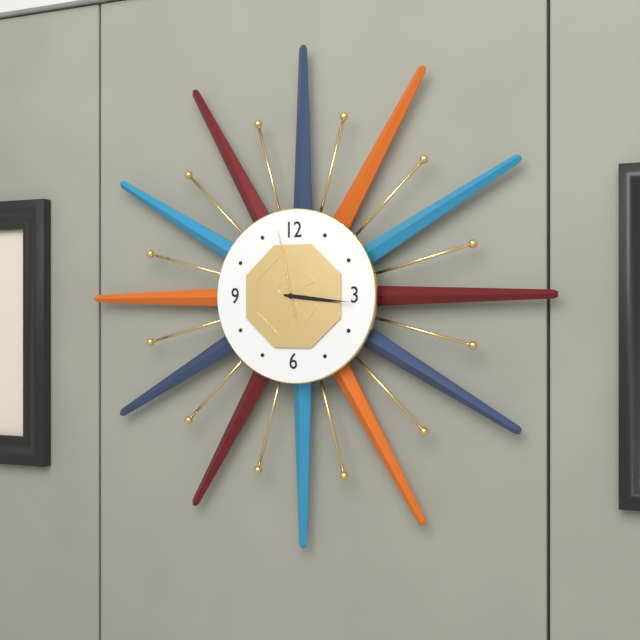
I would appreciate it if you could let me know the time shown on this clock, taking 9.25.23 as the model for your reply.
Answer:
3.16.58
